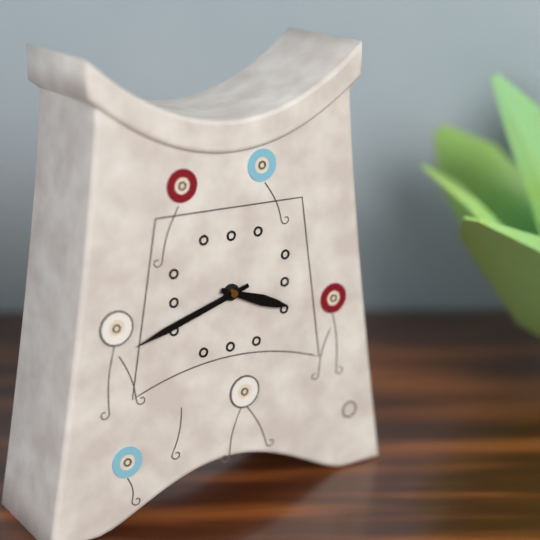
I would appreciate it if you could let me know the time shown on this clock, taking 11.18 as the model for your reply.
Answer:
3.42
